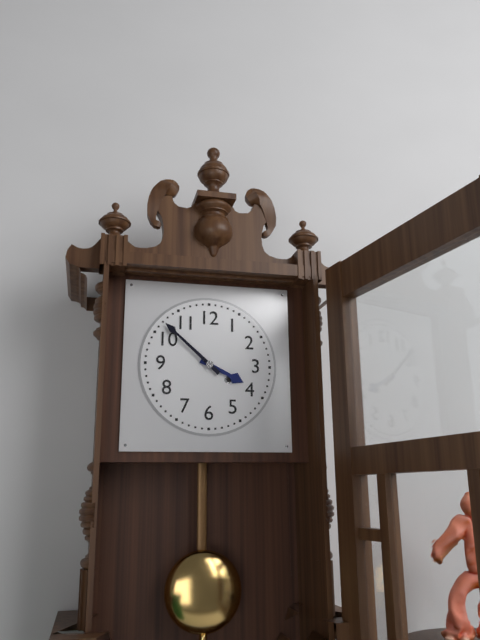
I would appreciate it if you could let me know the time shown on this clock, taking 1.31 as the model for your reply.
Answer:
3.52
